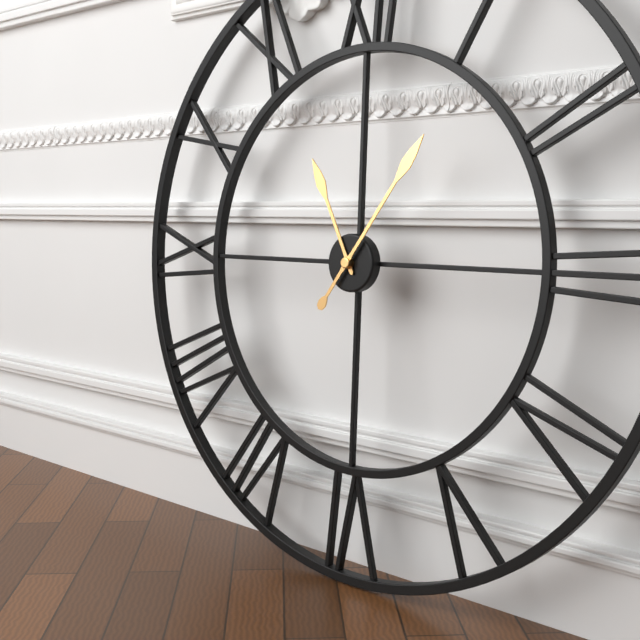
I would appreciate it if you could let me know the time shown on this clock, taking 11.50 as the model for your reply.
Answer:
11.06
